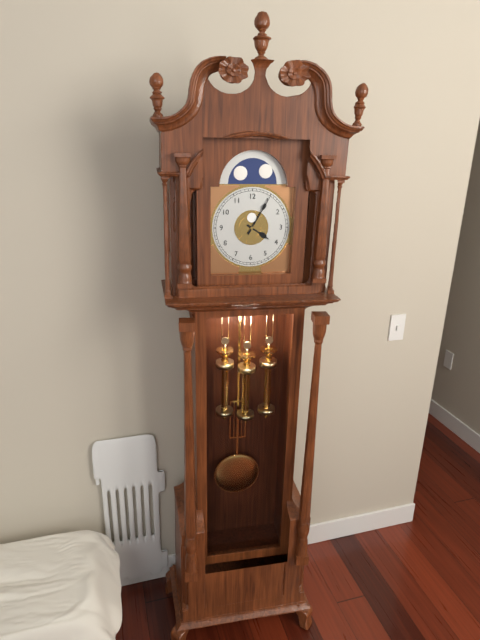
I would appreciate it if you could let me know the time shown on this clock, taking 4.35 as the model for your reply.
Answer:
4.05
